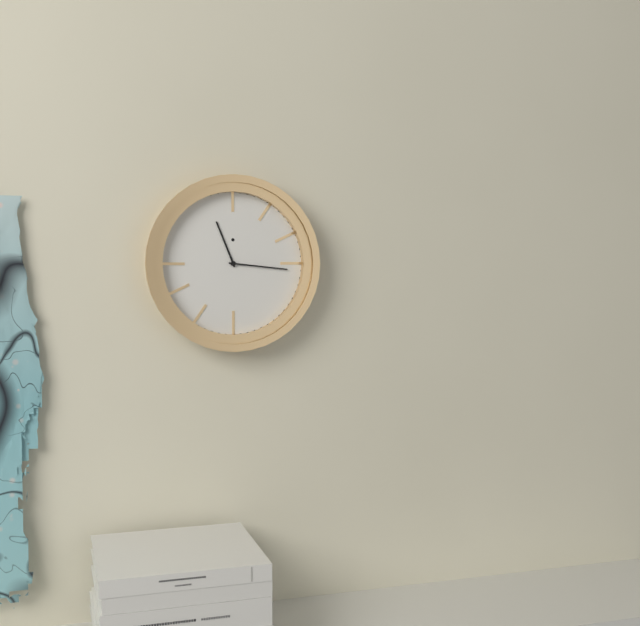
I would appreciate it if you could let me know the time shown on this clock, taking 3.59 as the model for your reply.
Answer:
11.16
